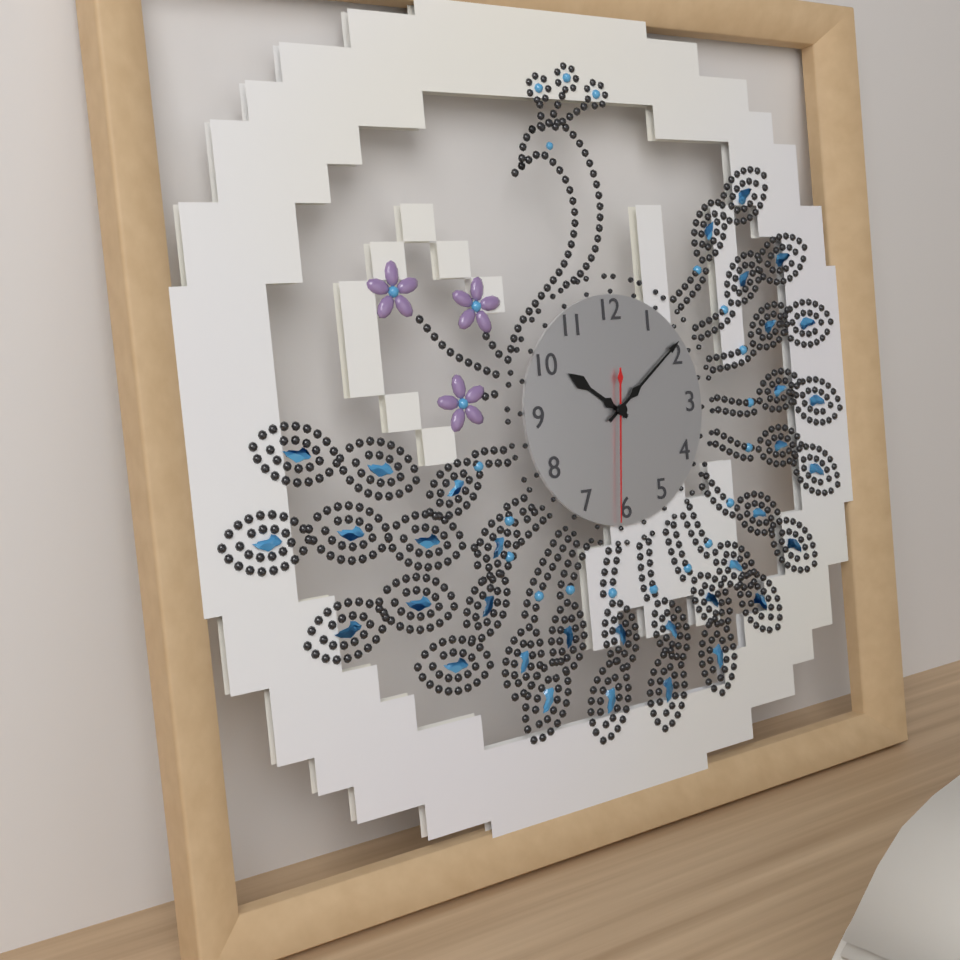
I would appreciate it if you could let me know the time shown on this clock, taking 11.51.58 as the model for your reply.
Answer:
10.09.31
